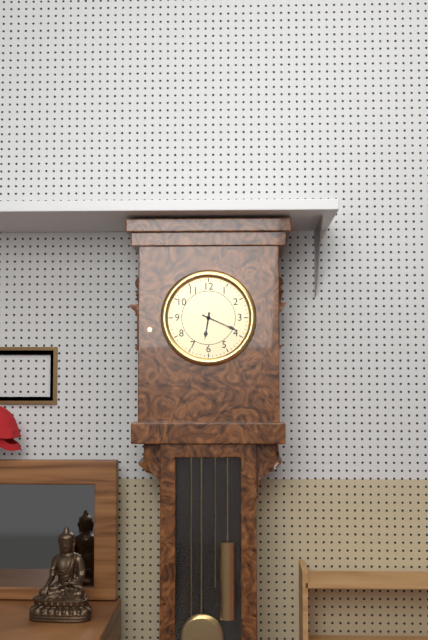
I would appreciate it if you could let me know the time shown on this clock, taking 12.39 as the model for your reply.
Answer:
6.19
